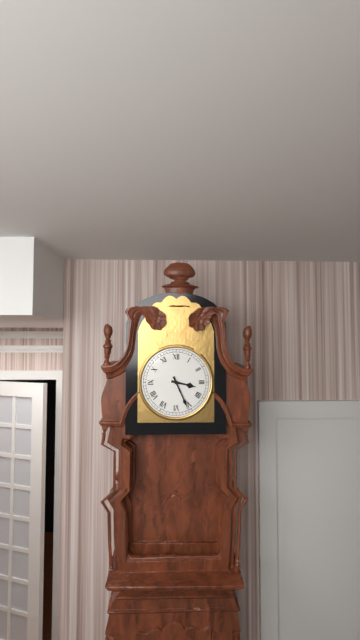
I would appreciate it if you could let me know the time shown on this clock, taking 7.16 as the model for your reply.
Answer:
3.26
